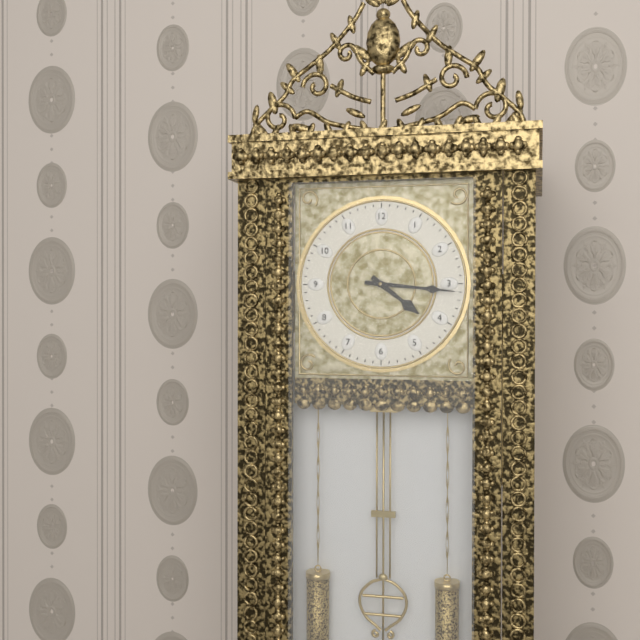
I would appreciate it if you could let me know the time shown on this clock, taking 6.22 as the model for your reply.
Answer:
4.16
